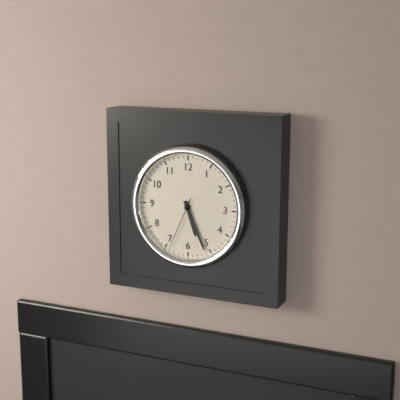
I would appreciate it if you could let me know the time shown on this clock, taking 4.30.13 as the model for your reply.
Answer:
5.26.34
